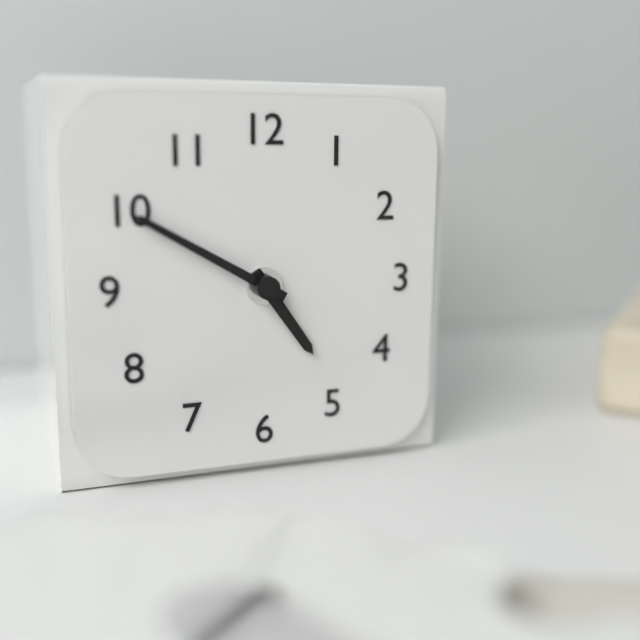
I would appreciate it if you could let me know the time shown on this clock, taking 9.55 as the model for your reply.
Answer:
4.50
